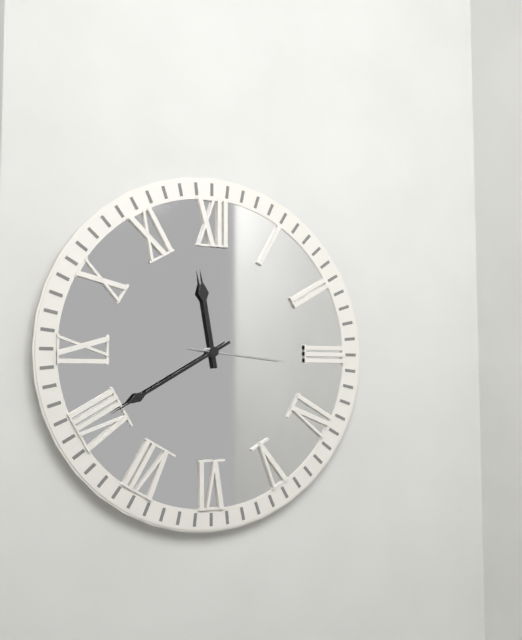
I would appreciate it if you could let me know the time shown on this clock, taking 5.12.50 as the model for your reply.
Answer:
11.40.16
